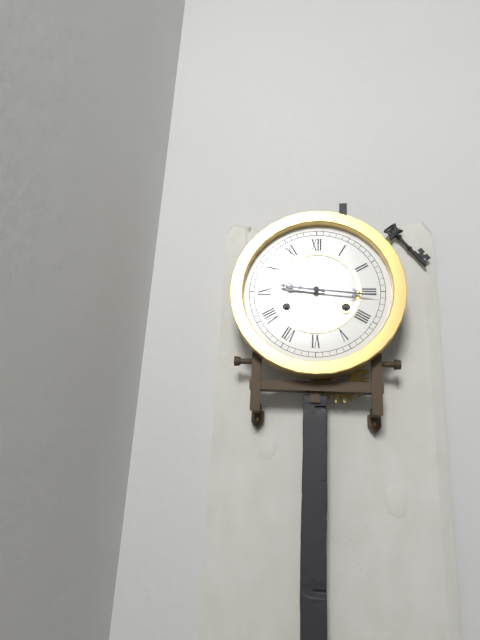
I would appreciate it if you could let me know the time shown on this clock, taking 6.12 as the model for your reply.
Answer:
9.16
